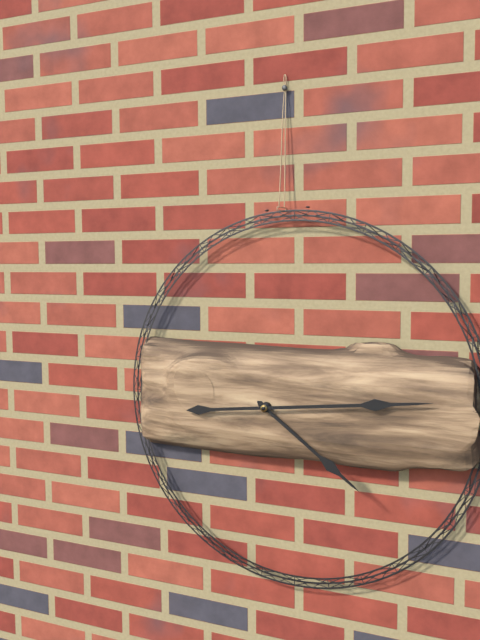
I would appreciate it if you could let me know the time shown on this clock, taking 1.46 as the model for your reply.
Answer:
4.14
